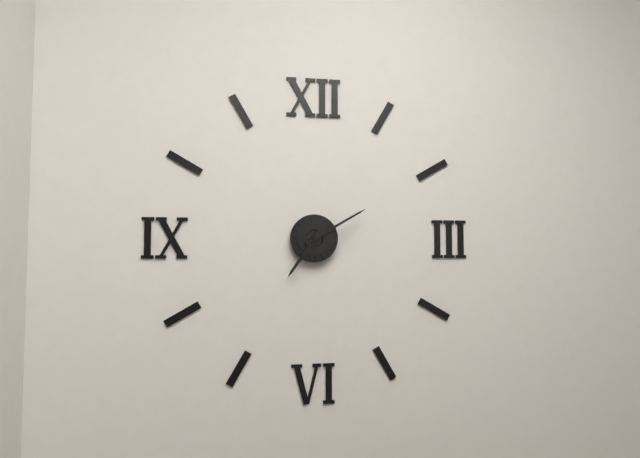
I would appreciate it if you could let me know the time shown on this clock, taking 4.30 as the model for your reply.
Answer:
7.10
